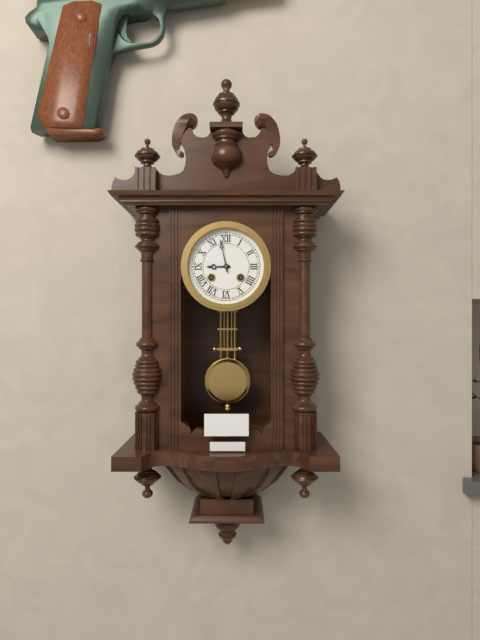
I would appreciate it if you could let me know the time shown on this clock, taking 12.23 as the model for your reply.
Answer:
8.58
